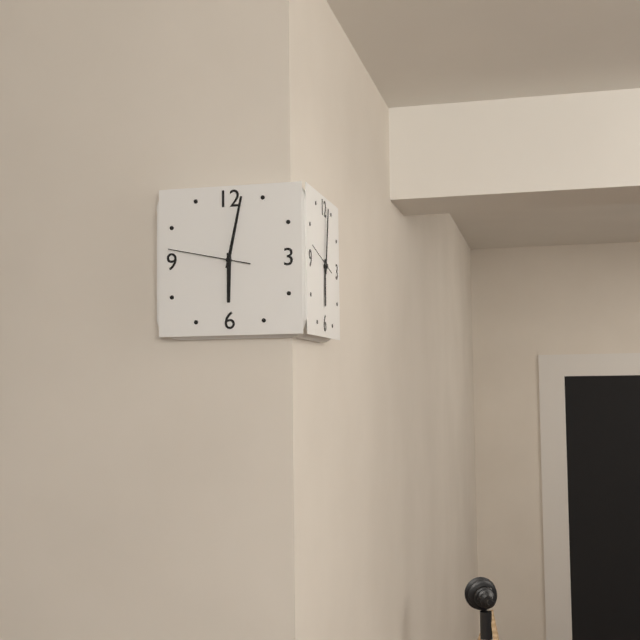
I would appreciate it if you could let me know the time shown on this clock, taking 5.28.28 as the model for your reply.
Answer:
6.02.47
